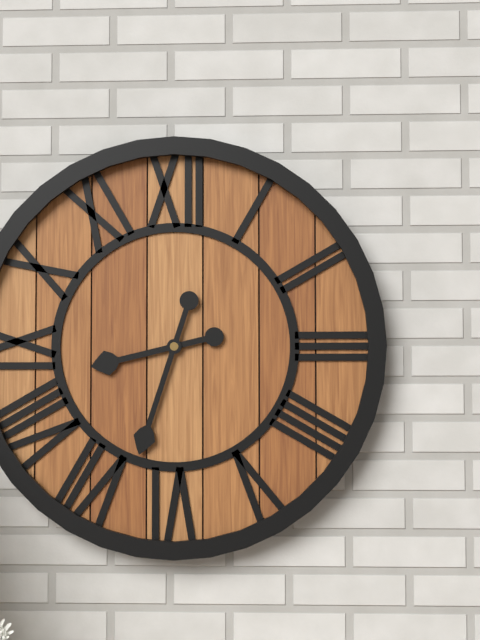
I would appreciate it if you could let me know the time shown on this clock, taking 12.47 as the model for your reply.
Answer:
8.33
